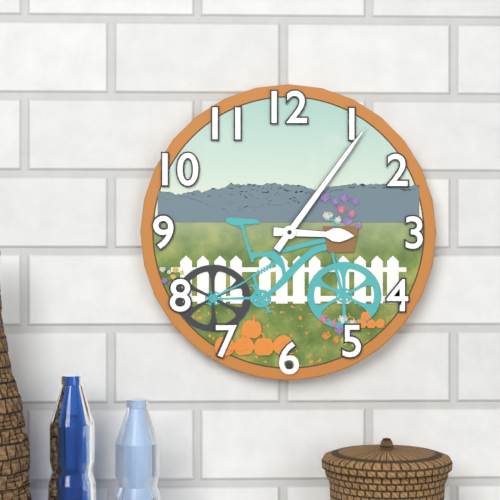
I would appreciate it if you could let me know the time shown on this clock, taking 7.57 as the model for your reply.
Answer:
3.06
